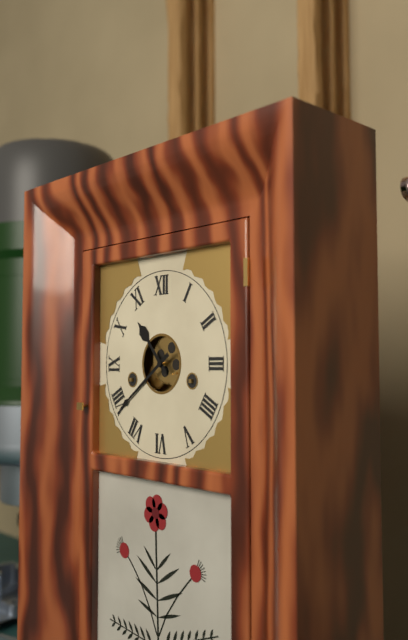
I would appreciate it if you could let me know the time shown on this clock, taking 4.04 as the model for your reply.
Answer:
10.39
